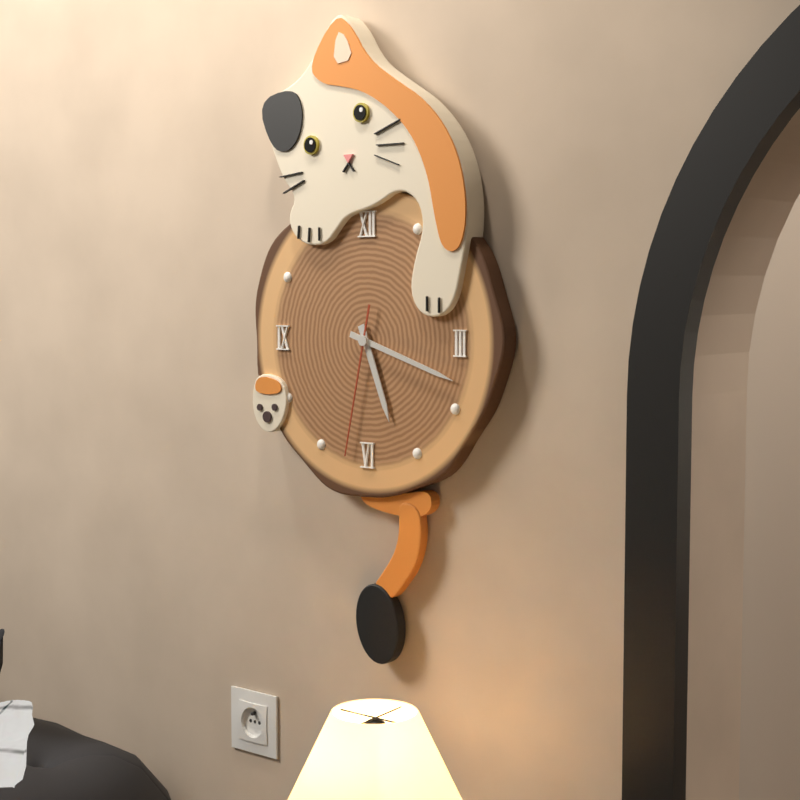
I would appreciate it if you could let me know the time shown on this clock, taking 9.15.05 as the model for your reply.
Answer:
5.18.32
